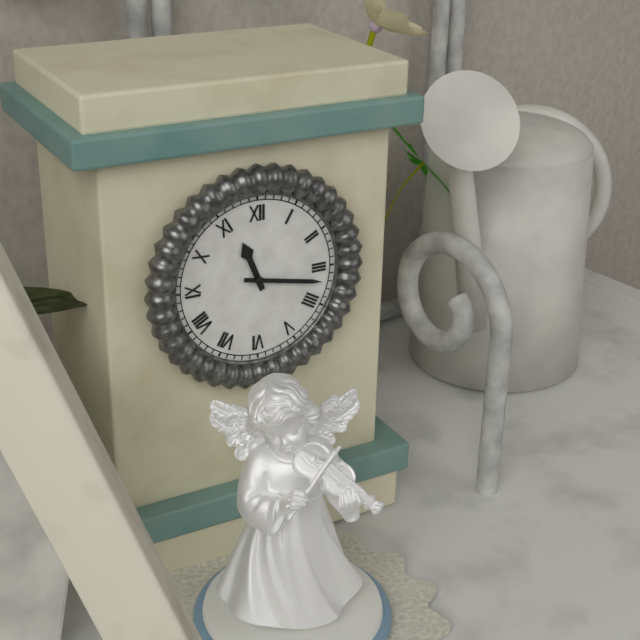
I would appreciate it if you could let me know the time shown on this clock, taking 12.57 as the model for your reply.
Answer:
11.17
